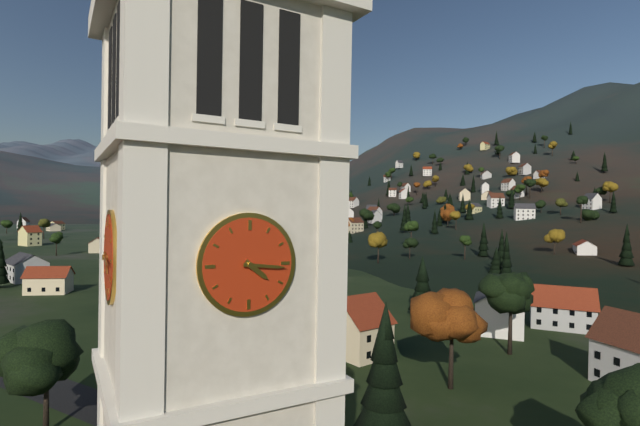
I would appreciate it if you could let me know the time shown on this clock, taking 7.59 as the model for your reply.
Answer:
4.16
